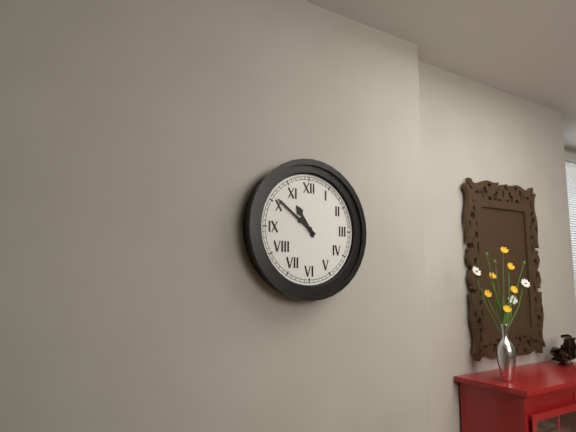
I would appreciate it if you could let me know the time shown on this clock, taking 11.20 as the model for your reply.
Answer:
10.51
